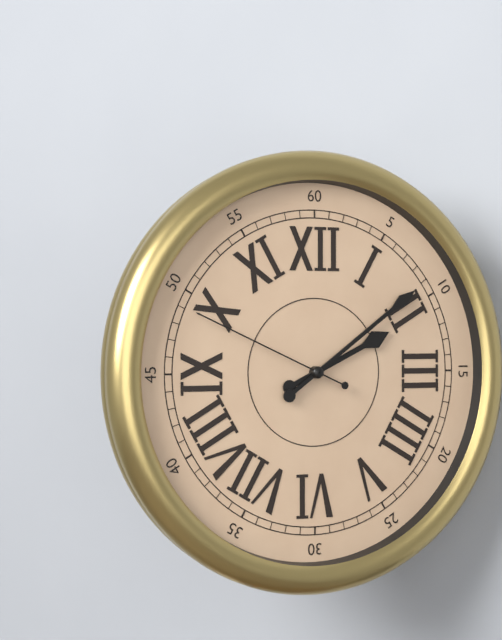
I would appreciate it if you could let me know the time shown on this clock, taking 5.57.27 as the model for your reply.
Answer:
2.09.49
